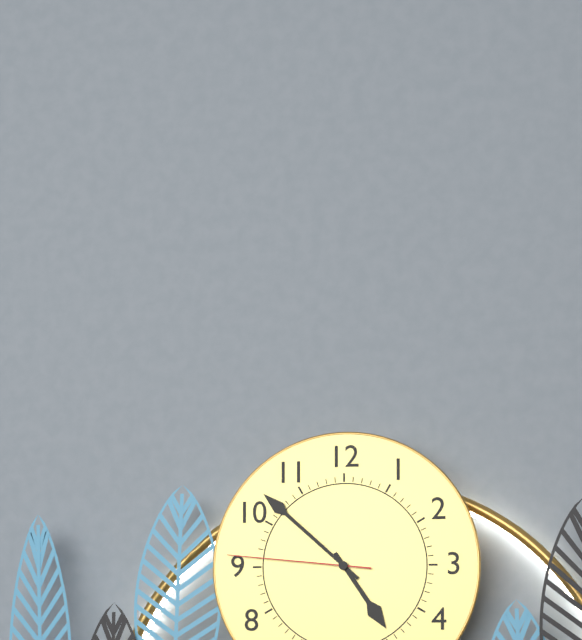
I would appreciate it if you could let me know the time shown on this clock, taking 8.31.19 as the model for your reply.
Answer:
4.52.46
